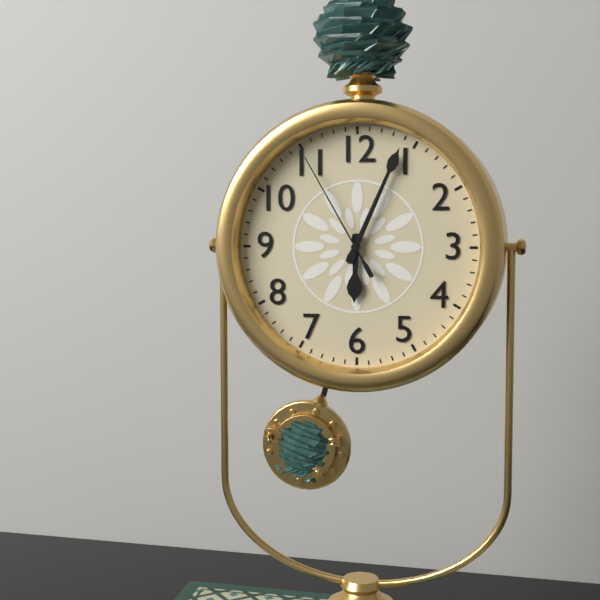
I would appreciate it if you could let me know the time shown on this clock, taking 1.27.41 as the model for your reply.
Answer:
6.04.55
